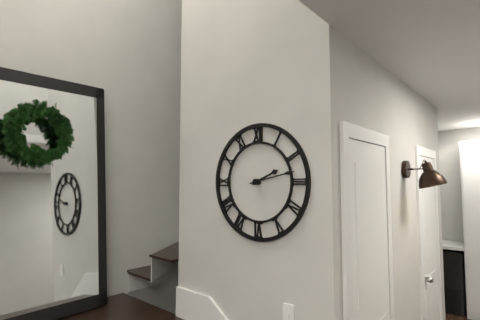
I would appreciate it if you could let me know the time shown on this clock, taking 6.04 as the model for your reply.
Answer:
2.13
